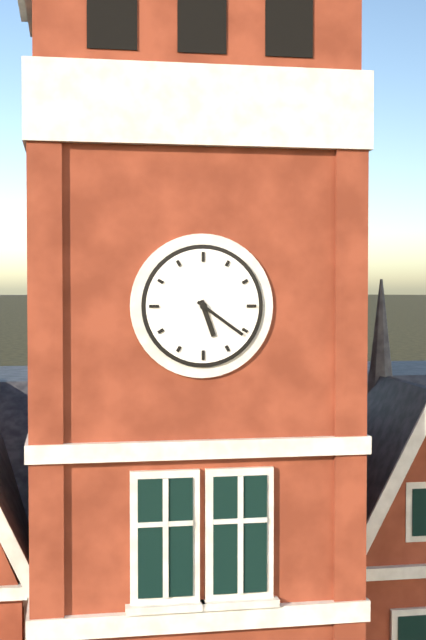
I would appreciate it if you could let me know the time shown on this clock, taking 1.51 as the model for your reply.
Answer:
5.21
